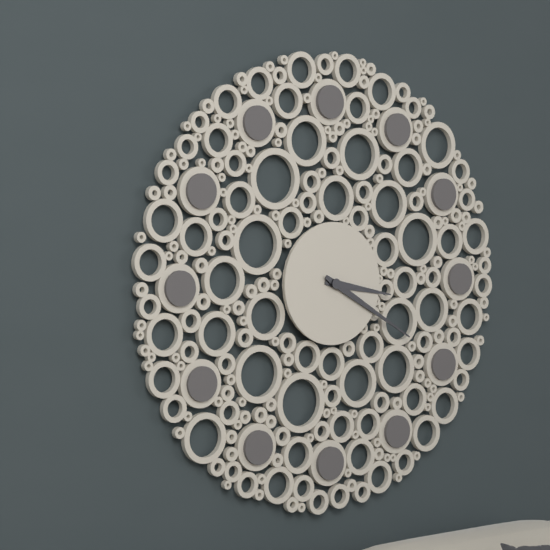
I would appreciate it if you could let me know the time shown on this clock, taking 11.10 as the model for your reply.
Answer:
3.20
